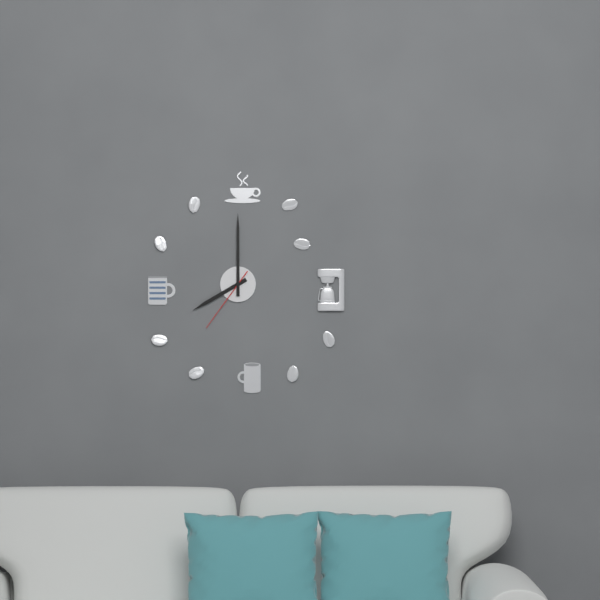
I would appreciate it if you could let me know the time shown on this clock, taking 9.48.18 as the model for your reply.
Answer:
8.00.36
